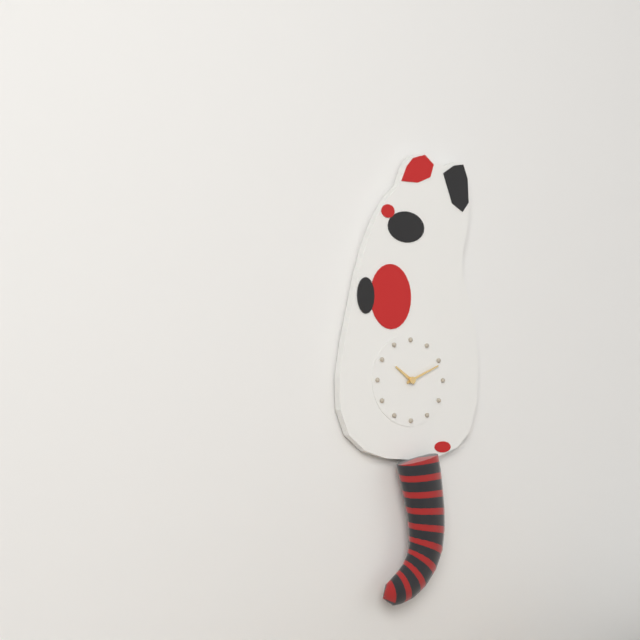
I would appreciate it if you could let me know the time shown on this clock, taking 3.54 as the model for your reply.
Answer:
10.11
